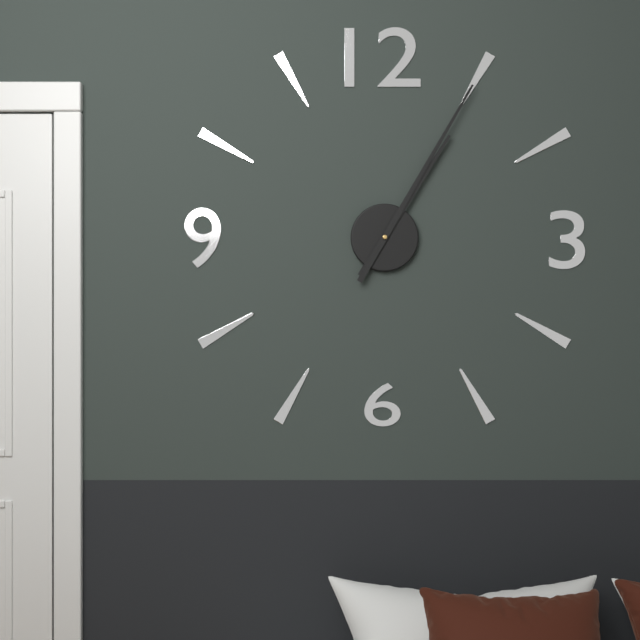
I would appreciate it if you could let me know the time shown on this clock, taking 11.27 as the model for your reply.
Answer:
1.05
